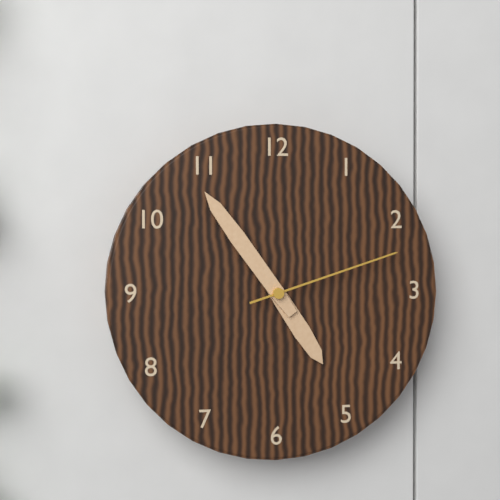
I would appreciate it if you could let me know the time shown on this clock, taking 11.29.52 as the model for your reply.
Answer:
4.54.12
